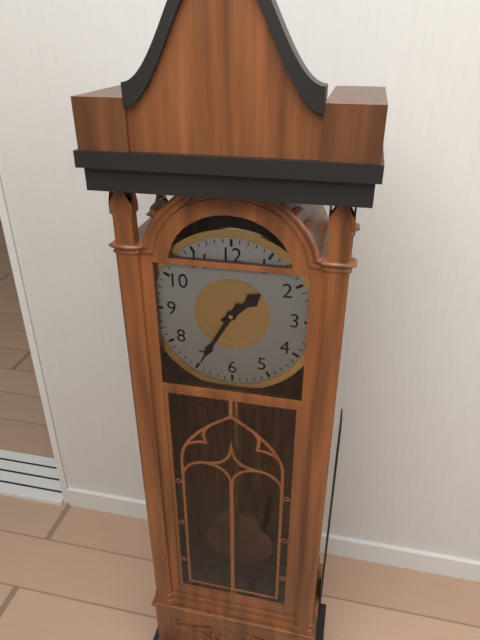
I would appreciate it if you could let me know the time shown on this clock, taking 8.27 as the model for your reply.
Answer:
1.35
